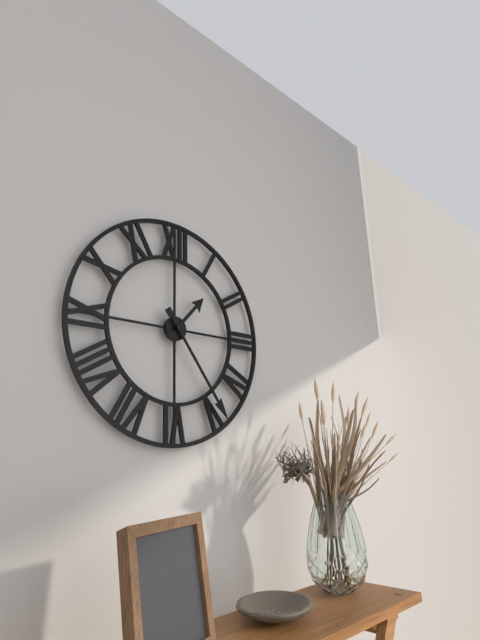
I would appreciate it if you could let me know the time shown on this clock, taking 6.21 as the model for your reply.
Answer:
1.24
